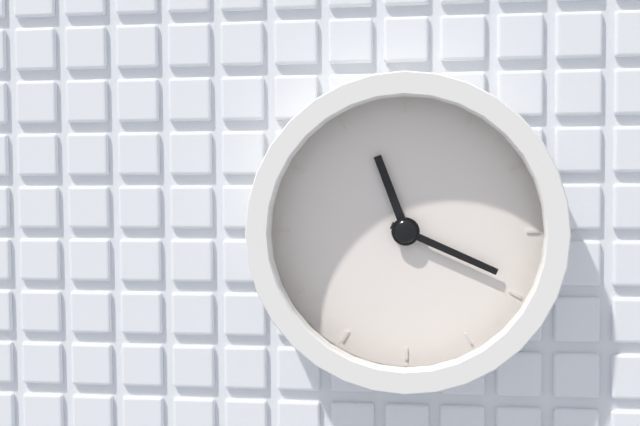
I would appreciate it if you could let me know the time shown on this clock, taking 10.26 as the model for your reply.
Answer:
11.19
